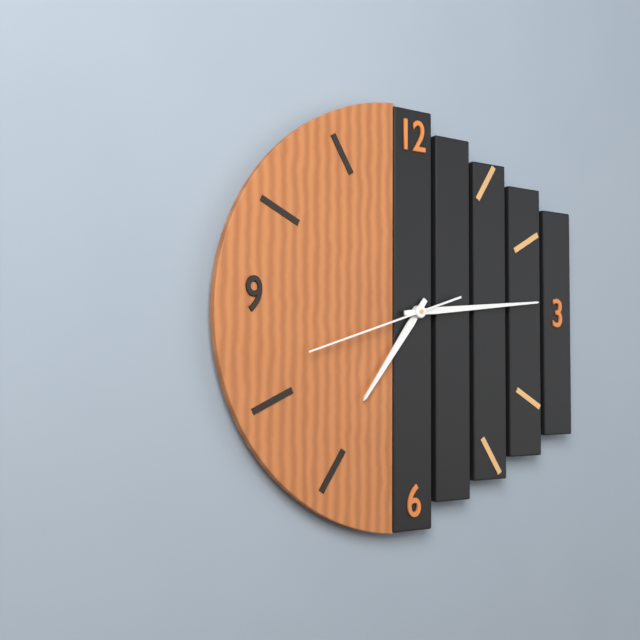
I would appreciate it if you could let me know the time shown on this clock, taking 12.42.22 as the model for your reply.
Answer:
7.14.42
